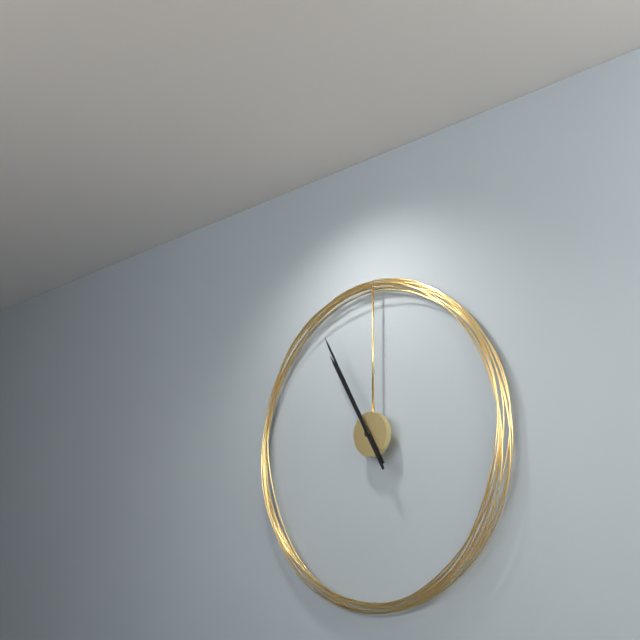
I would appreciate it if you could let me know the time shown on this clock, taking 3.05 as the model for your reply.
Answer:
10.55
